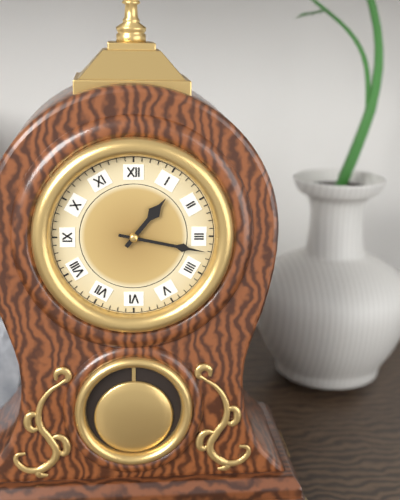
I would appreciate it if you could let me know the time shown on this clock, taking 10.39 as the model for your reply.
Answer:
1.17
